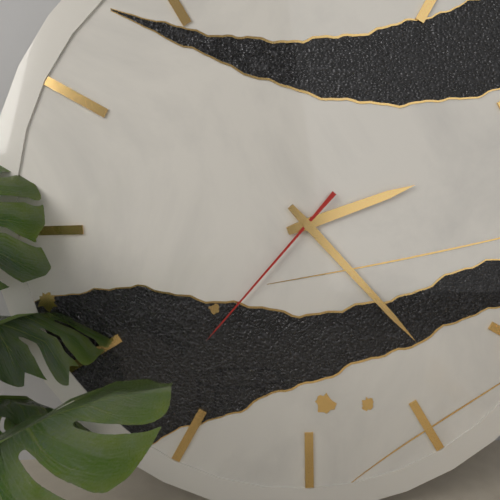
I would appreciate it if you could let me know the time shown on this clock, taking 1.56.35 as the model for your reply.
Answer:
2.23.37
